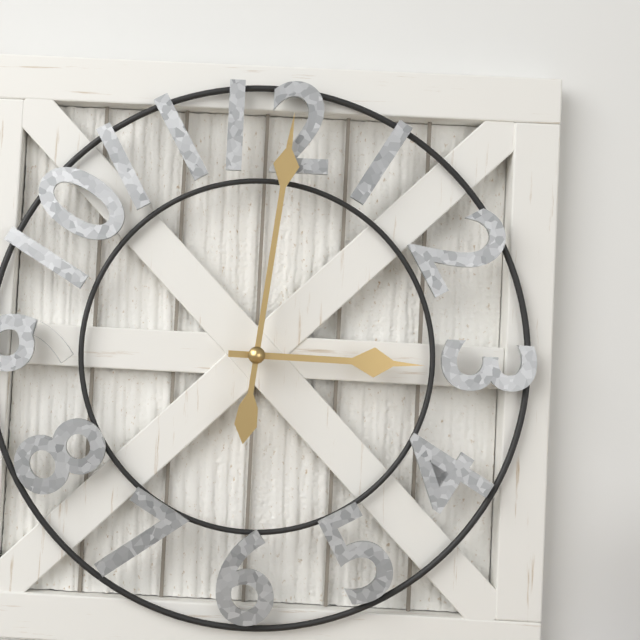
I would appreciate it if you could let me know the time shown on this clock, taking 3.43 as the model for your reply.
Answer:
3.01
